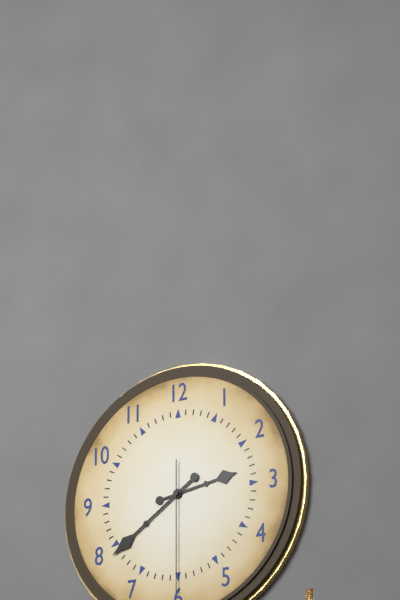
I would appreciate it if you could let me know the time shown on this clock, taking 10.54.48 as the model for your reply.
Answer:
2.39.30
